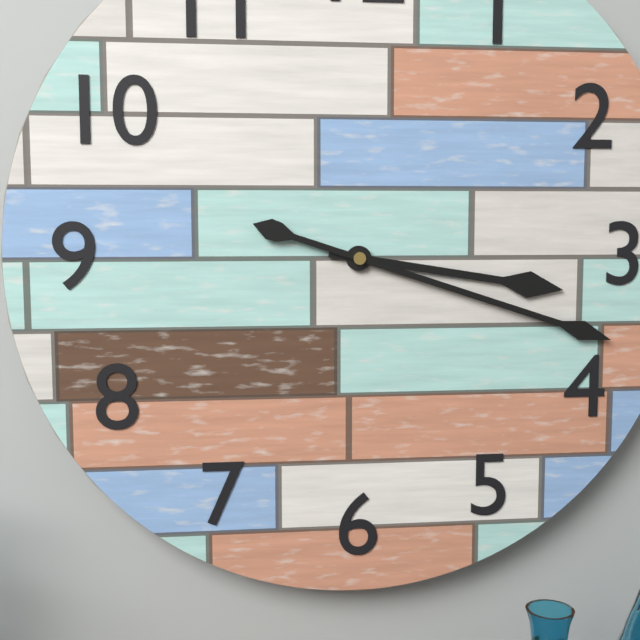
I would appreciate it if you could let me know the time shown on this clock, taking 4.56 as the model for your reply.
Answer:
3.18
